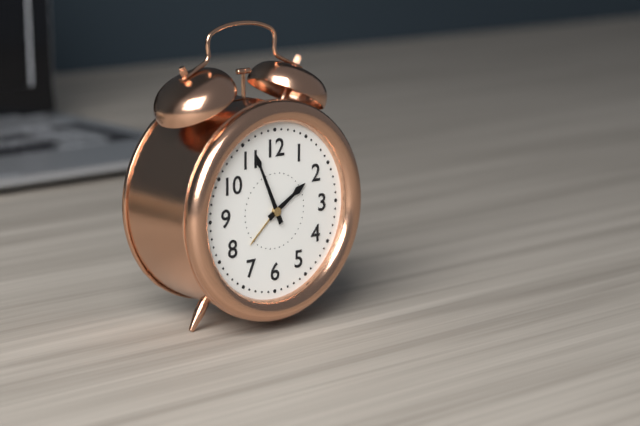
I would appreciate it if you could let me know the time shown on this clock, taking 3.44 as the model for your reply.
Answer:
1.56
